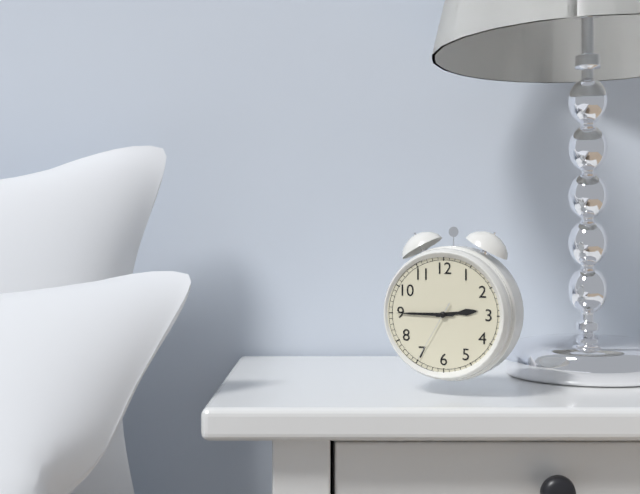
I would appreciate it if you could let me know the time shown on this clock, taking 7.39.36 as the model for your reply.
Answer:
2.45.35
